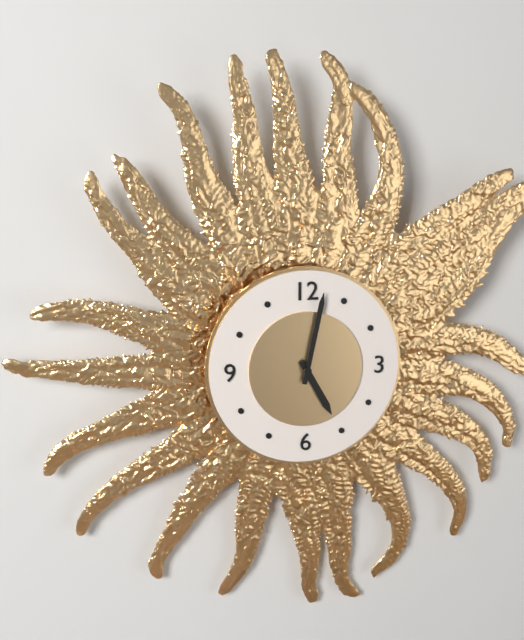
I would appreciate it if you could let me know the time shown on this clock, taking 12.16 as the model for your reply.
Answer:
5.02
